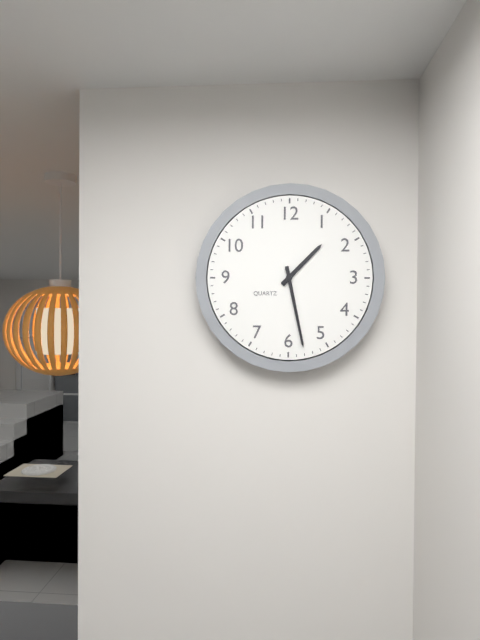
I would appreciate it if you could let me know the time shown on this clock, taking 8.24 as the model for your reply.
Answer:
1.28
